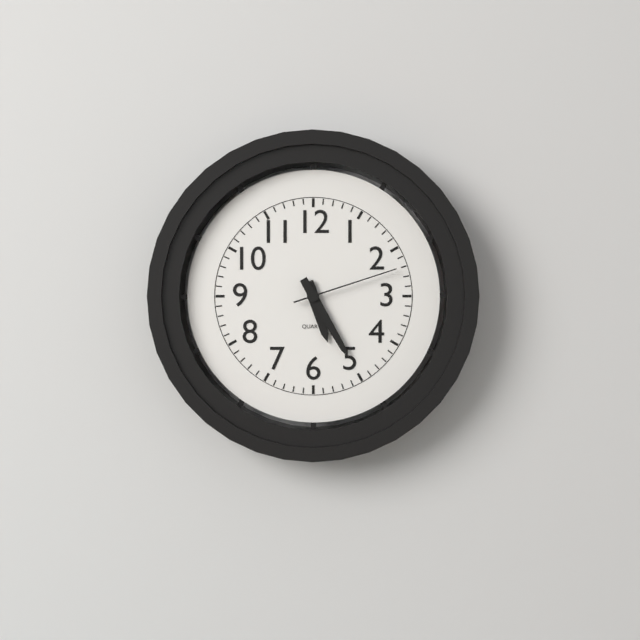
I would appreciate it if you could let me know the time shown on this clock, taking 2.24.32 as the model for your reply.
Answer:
5.25.12
